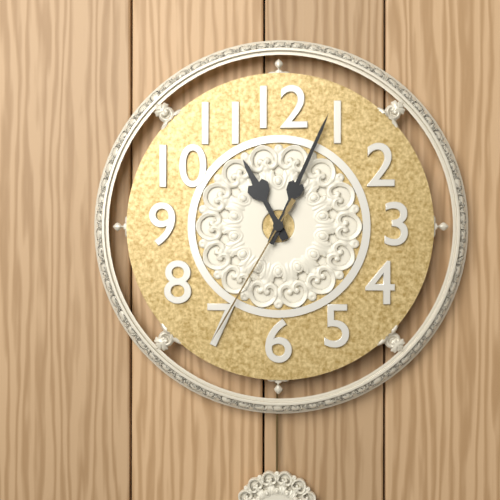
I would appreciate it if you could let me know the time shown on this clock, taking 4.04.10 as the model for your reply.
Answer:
11.04.35
